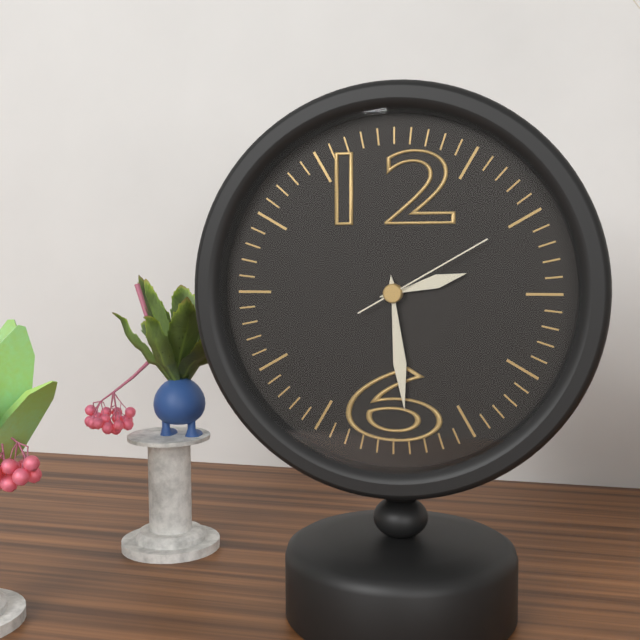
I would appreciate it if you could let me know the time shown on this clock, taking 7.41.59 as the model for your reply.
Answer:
2.29.10
